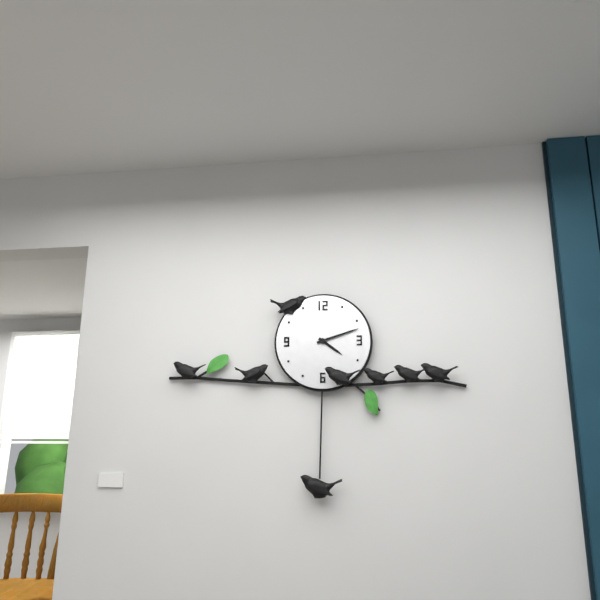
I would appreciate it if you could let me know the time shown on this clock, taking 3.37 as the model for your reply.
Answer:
4.12
